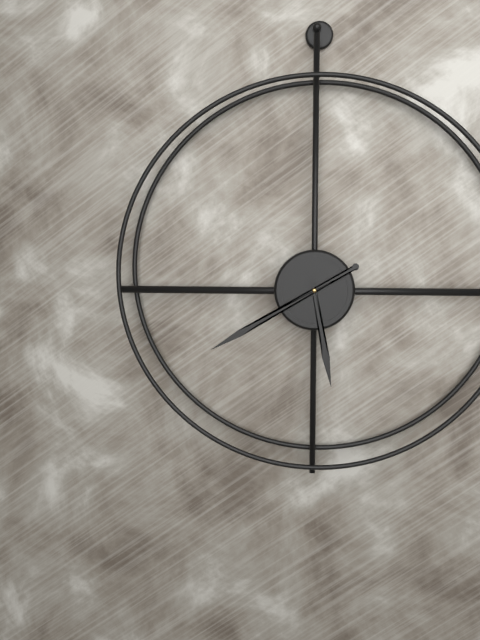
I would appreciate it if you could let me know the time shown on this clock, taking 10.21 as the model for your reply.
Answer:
5.40
